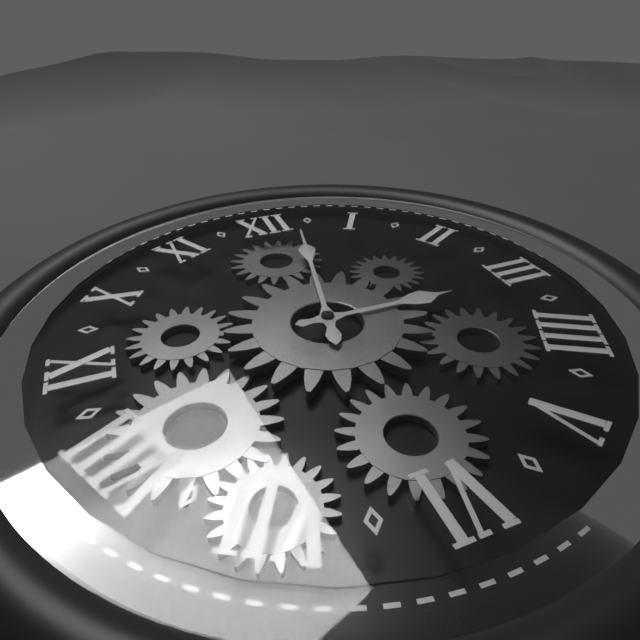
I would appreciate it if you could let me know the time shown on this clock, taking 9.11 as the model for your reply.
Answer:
3.02
